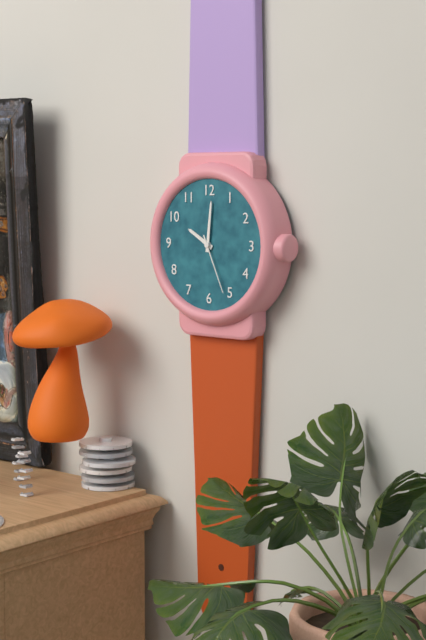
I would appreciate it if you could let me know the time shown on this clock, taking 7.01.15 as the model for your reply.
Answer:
10.01.26
